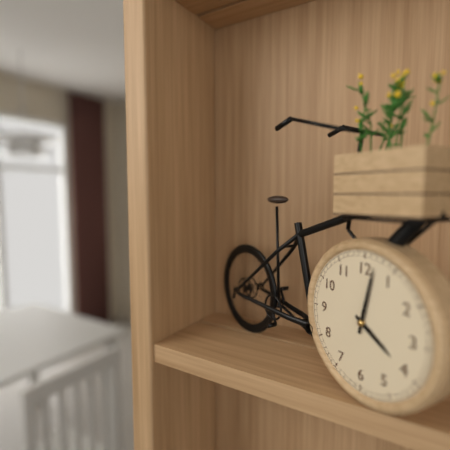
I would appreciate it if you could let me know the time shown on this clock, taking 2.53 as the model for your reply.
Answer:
4.02
